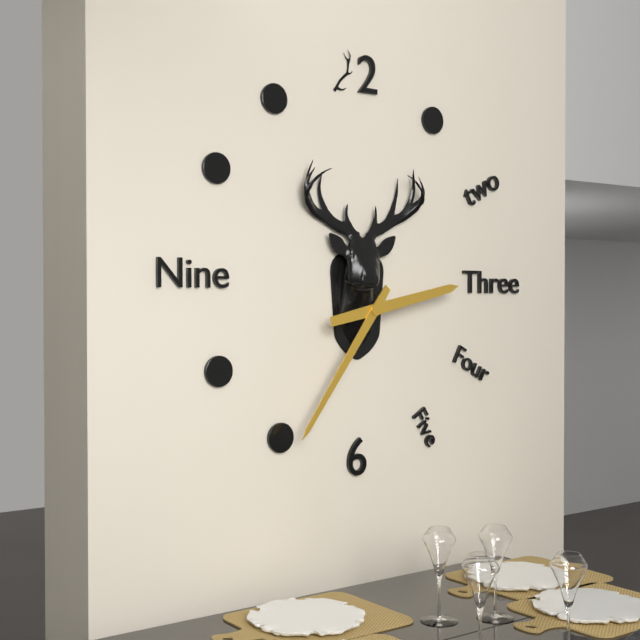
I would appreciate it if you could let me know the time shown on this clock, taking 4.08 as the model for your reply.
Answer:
2.36
